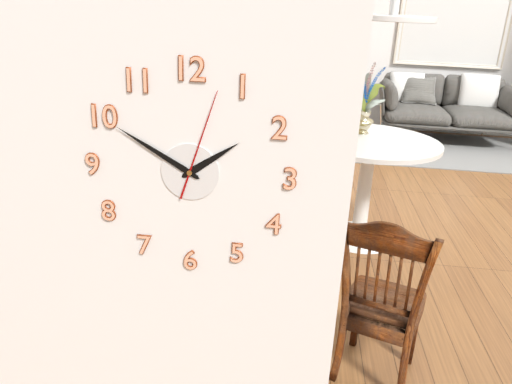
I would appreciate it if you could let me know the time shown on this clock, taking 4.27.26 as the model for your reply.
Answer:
1.50.03
